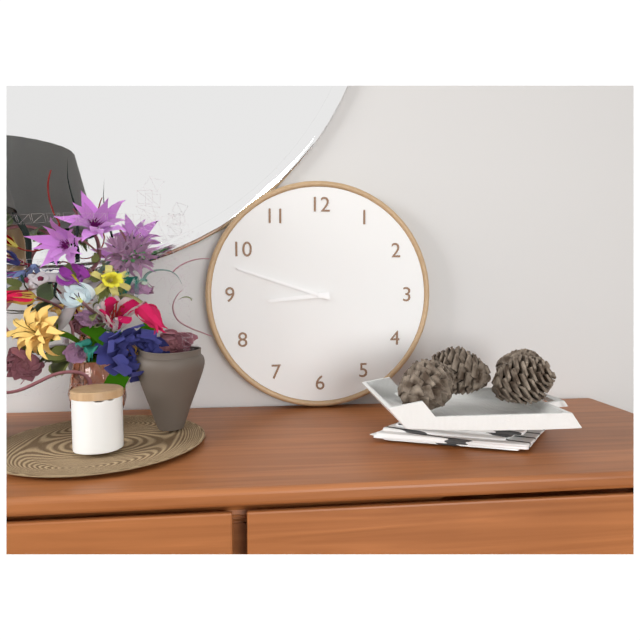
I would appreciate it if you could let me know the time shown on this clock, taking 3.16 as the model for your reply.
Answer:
8.48
